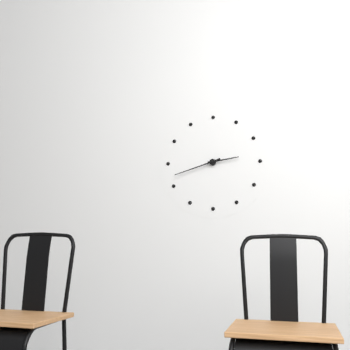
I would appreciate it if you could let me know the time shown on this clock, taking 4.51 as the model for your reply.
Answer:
2.42
